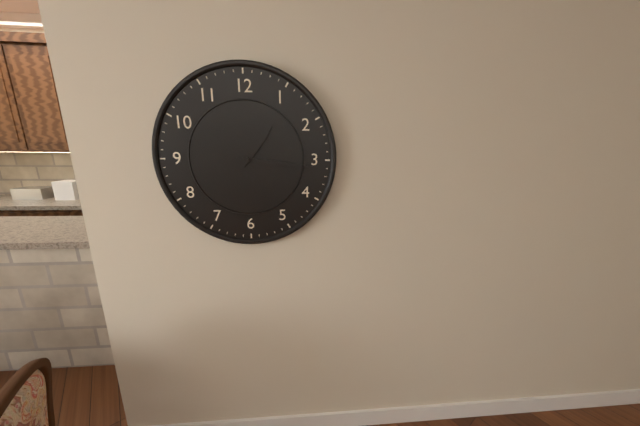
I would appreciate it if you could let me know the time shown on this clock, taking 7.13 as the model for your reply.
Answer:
1.16
